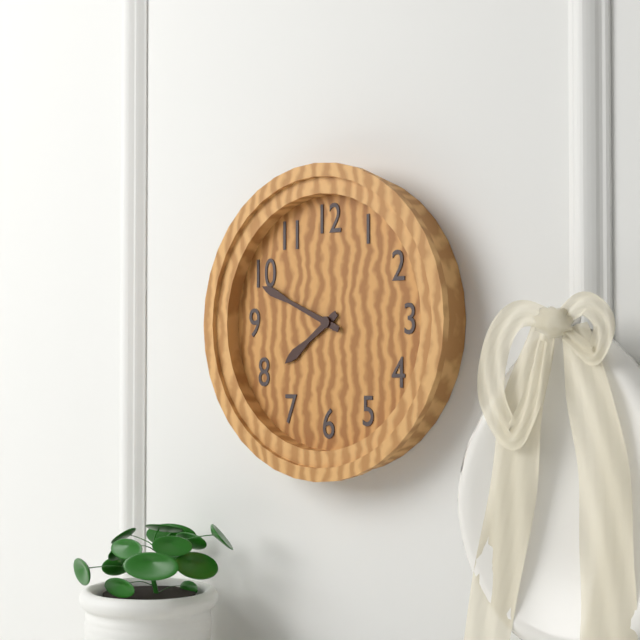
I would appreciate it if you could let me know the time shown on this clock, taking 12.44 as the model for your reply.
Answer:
7.49
